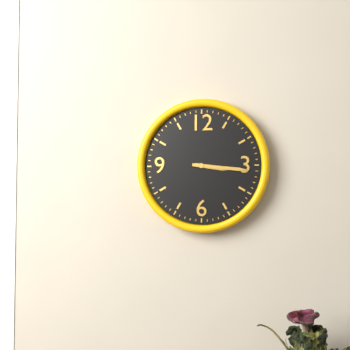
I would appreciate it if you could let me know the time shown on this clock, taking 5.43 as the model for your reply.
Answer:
3.16
